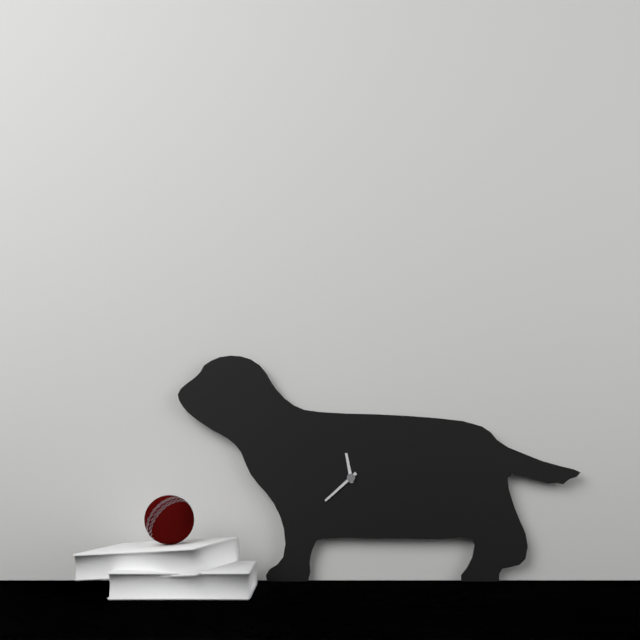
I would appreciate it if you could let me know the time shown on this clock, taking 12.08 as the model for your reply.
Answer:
11.38
